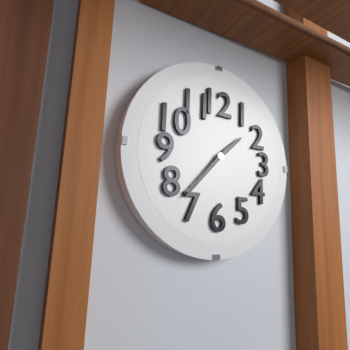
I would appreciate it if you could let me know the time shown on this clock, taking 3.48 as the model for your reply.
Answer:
1.37
